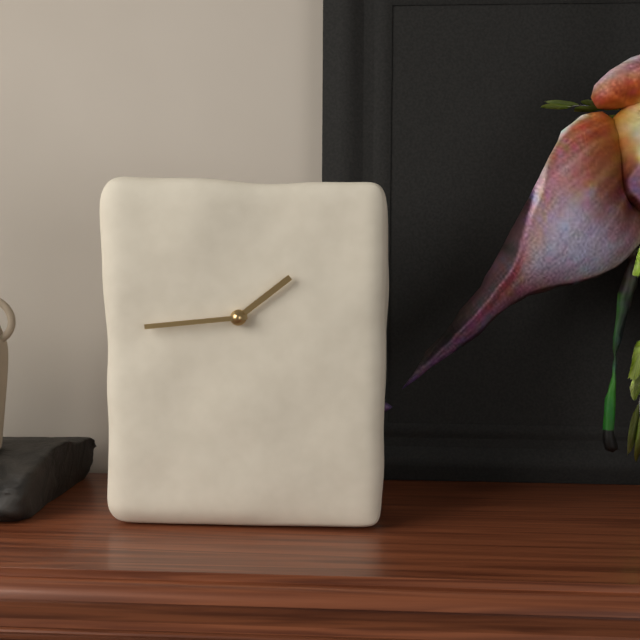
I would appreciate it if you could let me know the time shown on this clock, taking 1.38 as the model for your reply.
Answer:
1.44
